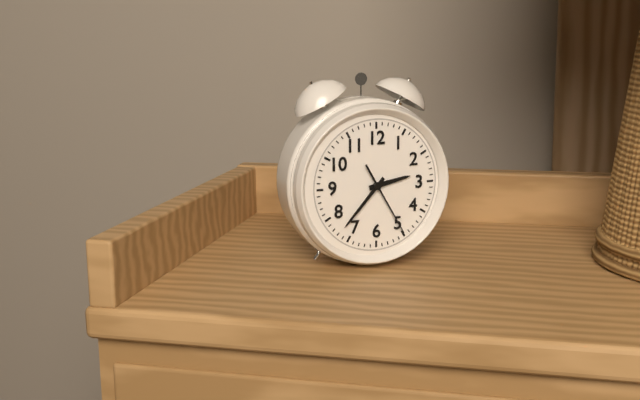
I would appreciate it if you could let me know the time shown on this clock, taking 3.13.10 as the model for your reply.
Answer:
2.37.25
